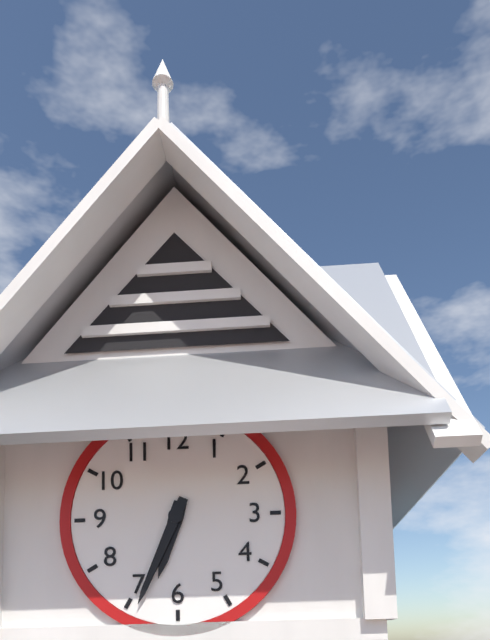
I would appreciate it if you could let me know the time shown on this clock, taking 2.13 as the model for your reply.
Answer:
6.34
